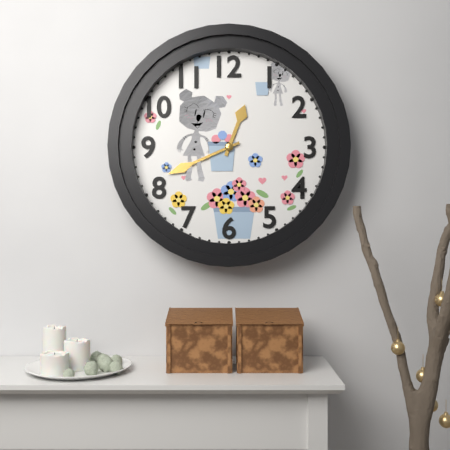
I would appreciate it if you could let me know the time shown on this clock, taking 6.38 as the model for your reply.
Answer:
12.41
